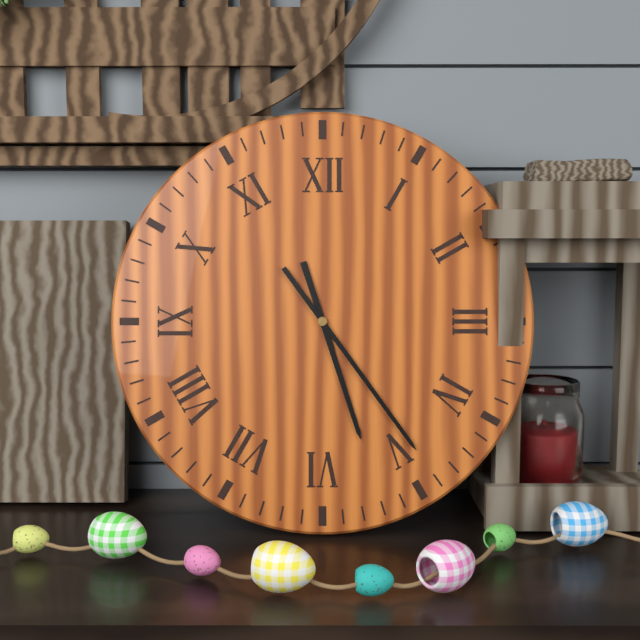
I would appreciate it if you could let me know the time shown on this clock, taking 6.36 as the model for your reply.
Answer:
5.24
